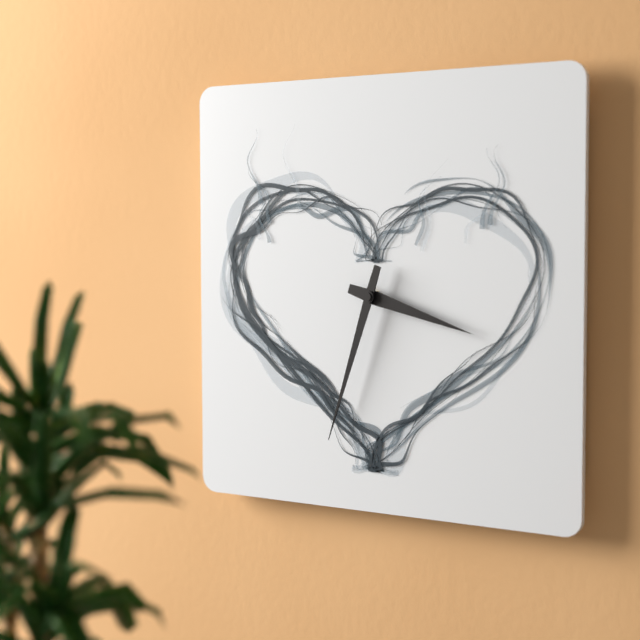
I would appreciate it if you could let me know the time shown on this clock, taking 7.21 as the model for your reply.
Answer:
3.33
